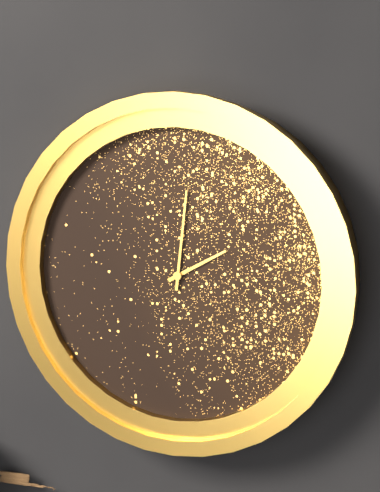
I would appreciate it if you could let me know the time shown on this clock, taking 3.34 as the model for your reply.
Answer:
2.01
